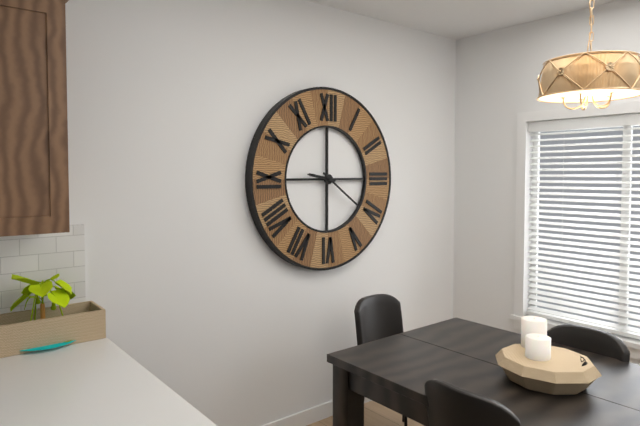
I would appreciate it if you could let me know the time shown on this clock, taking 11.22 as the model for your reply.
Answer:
9.21
